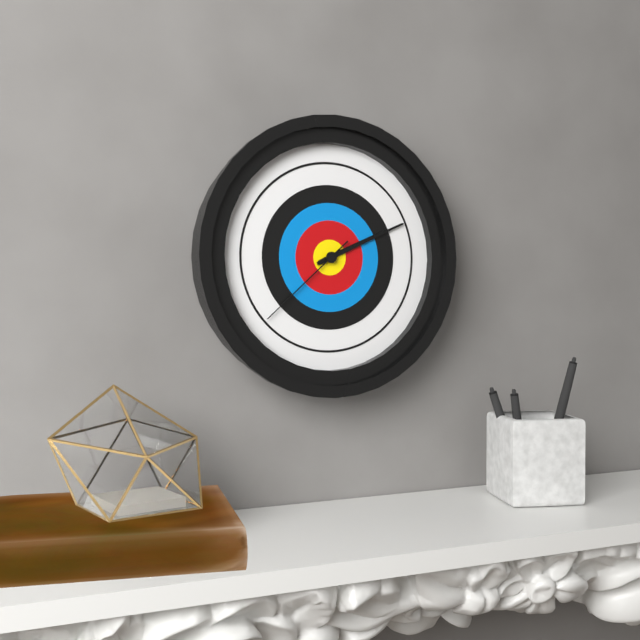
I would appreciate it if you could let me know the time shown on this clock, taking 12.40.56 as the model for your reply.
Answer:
2.11.38
